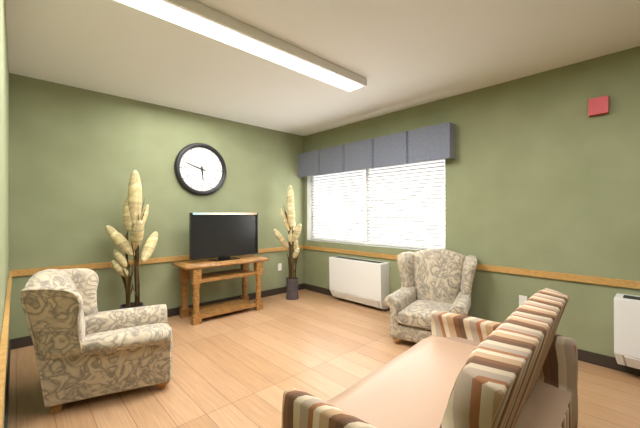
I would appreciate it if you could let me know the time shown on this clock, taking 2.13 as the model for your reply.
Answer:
5.48
